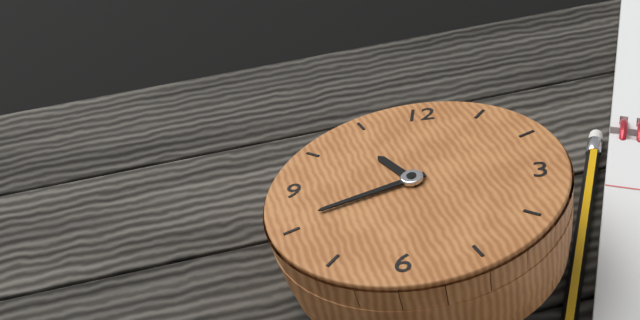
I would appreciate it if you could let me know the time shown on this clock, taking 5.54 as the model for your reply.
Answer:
10.41
